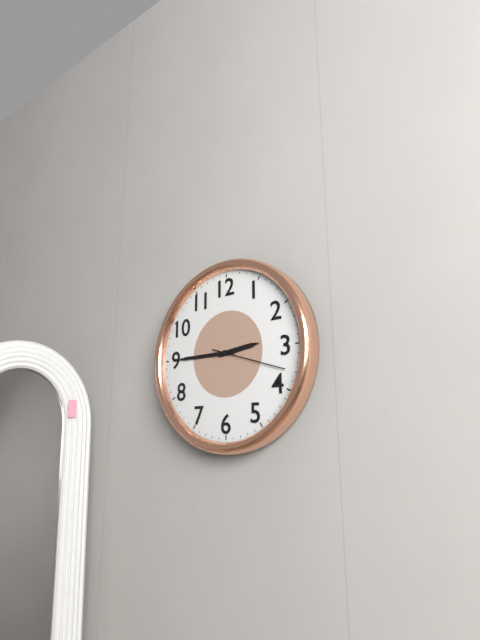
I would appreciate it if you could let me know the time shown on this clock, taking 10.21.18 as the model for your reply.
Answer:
2.45.18
